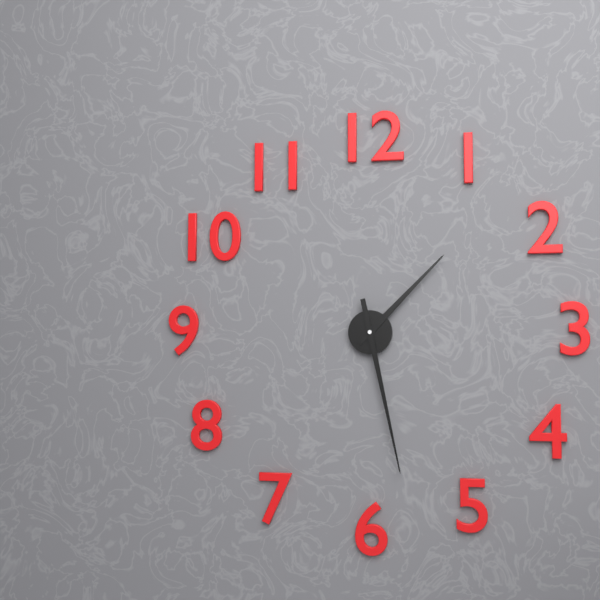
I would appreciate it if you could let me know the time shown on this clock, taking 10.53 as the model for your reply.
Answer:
1.28
